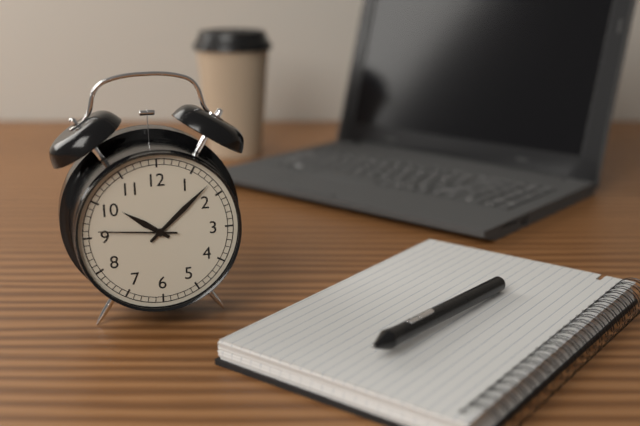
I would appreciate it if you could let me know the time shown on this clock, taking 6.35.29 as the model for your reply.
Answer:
10.08.46
